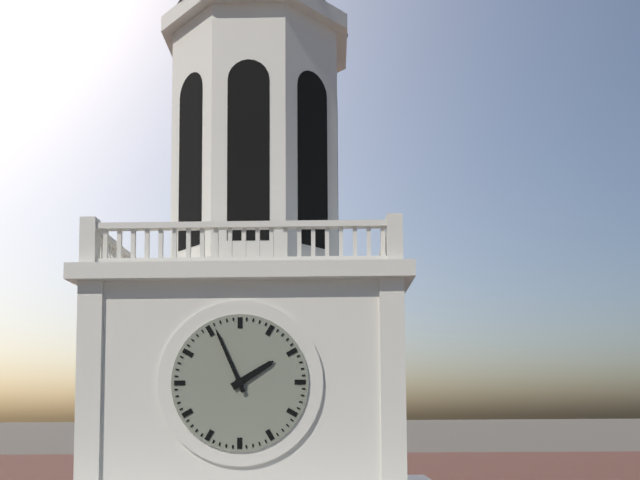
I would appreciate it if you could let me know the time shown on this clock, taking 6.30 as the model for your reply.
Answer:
1.56
